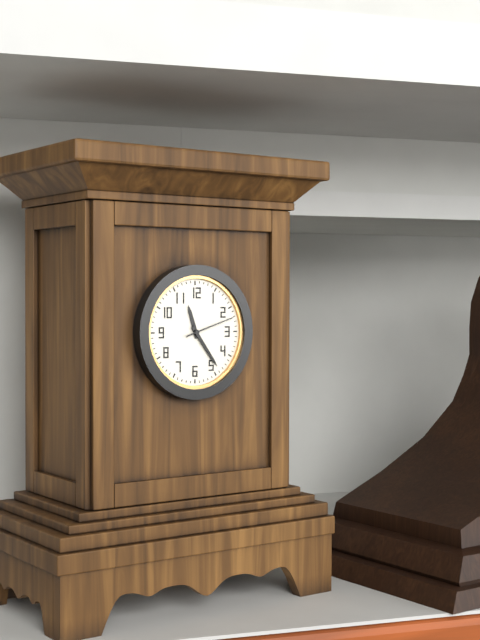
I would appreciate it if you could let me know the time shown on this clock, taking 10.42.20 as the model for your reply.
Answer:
11.24.12
